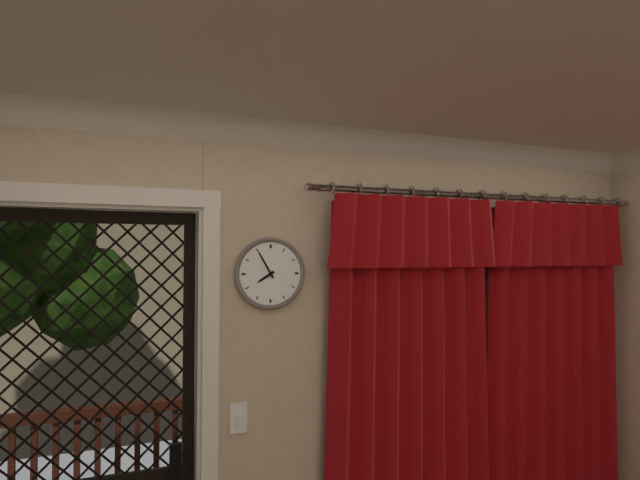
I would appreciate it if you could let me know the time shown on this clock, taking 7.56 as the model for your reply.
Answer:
7.55
